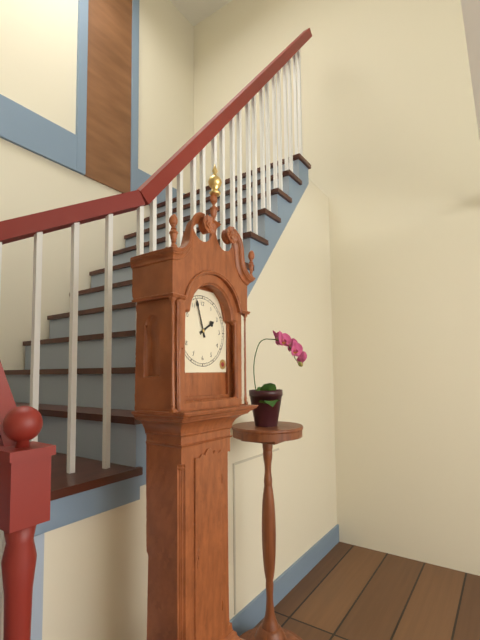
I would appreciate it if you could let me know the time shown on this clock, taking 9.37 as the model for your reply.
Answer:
1.57
